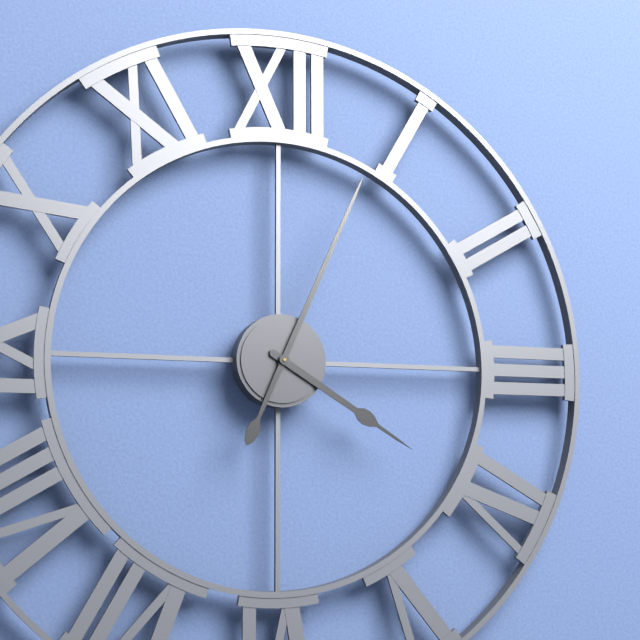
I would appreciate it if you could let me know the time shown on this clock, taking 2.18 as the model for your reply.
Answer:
4.04
